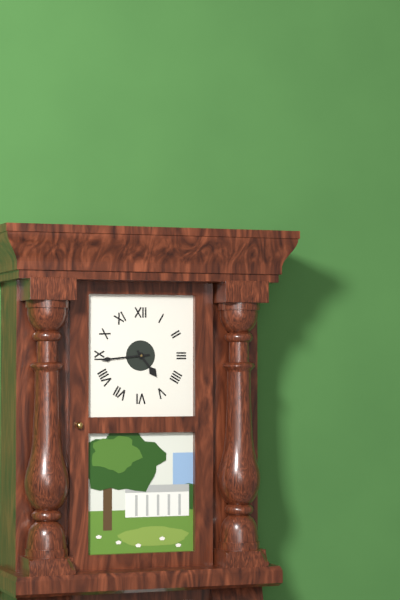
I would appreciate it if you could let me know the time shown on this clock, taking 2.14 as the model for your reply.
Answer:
4.44
